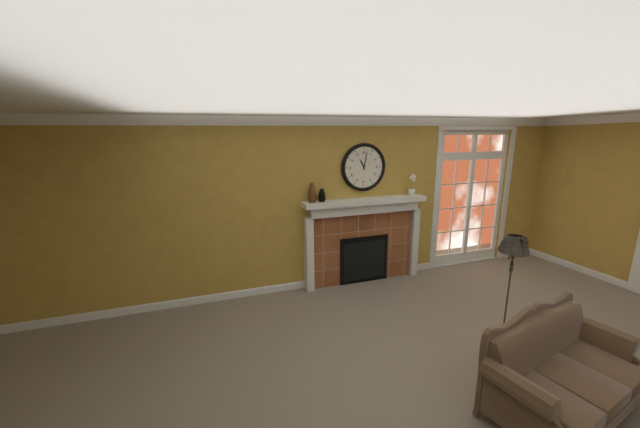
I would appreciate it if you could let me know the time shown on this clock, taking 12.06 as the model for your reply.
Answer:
11.02
